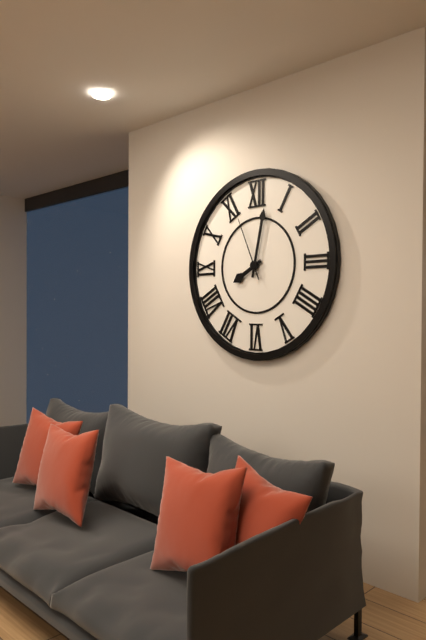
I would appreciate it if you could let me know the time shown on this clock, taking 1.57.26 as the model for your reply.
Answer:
8.02.56
